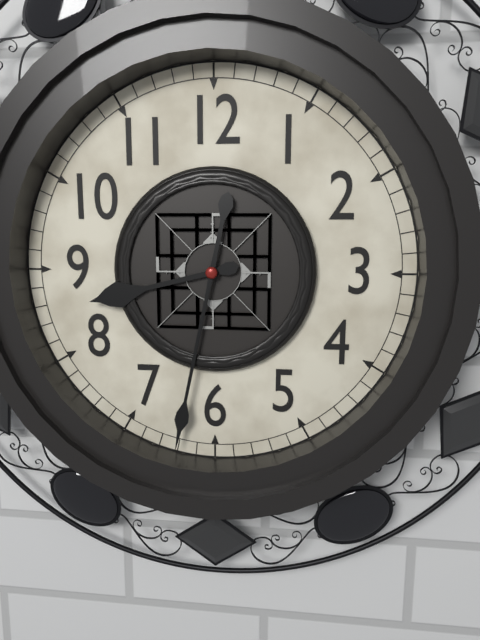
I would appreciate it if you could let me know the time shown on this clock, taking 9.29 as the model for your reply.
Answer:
8.32
